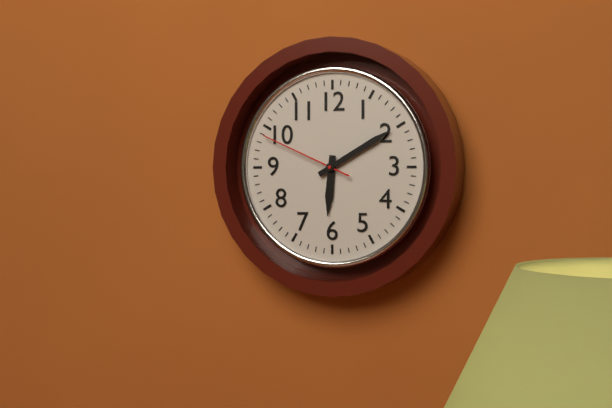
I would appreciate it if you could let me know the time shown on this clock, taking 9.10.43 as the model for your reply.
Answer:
6.10.49
